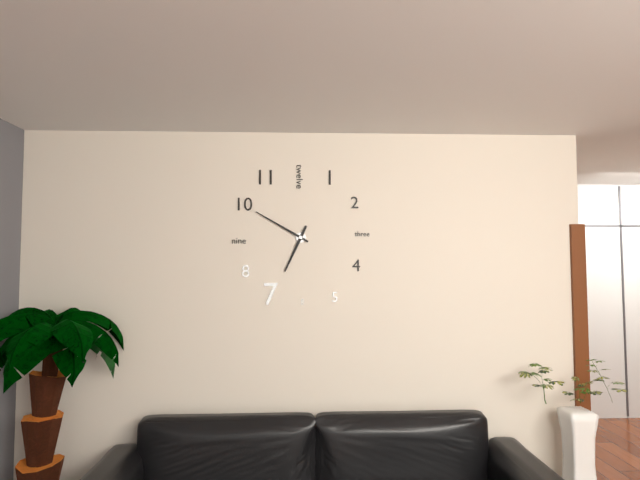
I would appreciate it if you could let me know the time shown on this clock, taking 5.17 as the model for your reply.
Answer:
6.50
